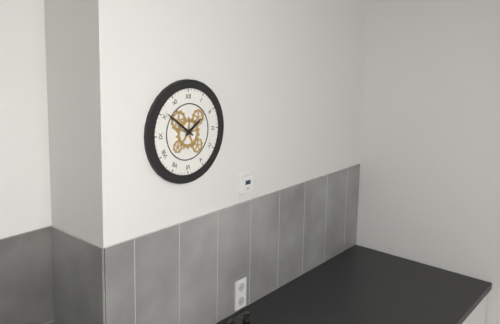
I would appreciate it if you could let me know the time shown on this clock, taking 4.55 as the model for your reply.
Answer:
1.51
